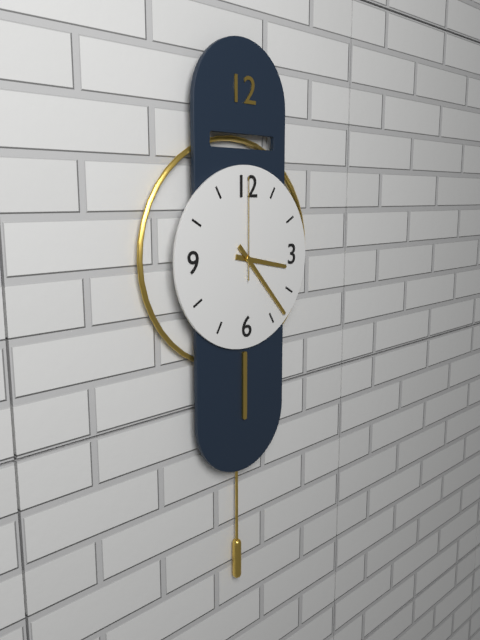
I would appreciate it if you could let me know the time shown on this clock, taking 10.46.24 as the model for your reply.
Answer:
3.23.00
